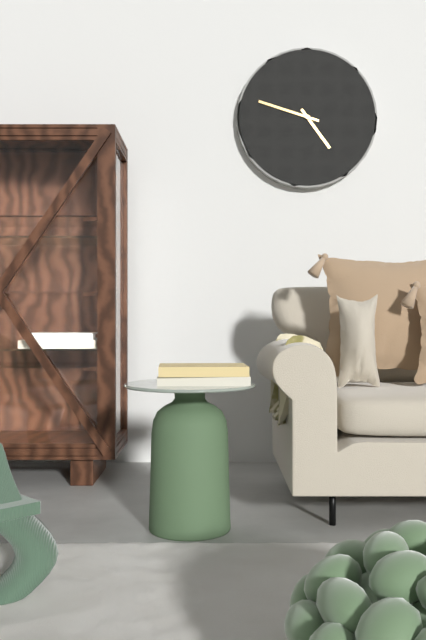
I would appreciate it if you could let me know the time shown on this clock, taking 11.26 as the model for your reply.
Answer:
4.48
